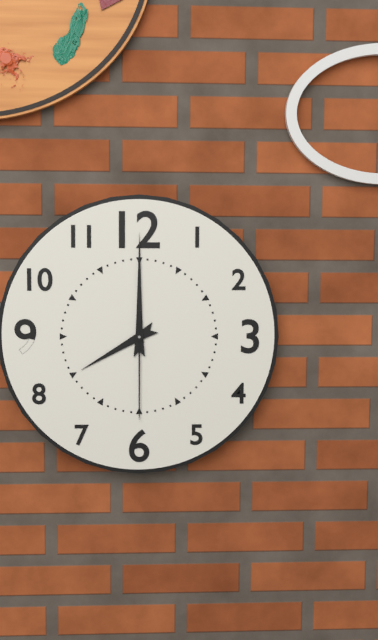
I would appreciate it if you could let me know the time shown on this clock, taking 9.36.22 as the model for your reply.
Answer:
8.00.30
